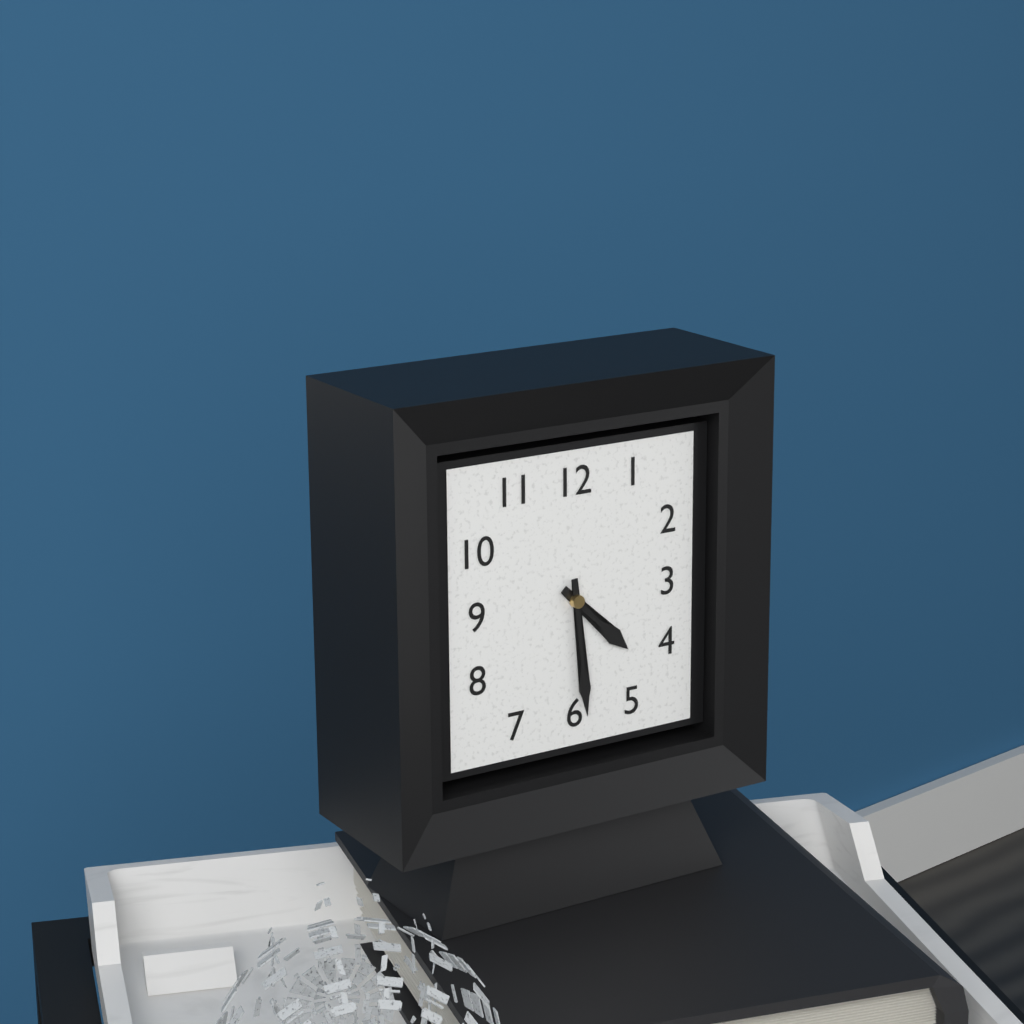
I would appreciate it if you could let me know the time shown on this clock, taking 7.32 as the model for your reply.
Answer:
4.29
